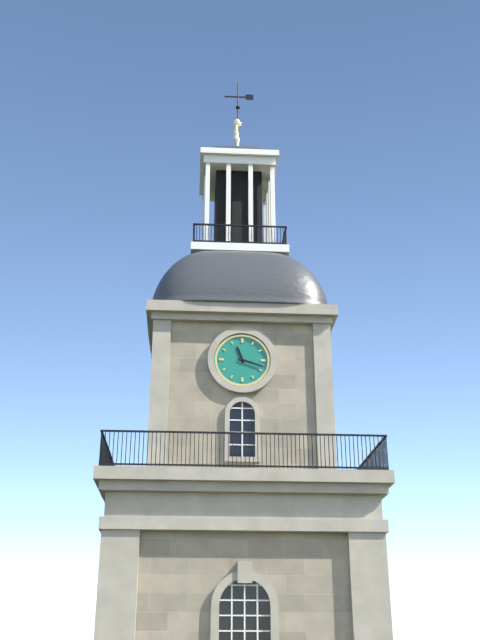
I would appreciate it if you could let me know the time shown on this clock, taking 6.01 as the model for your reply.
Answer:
11.18
